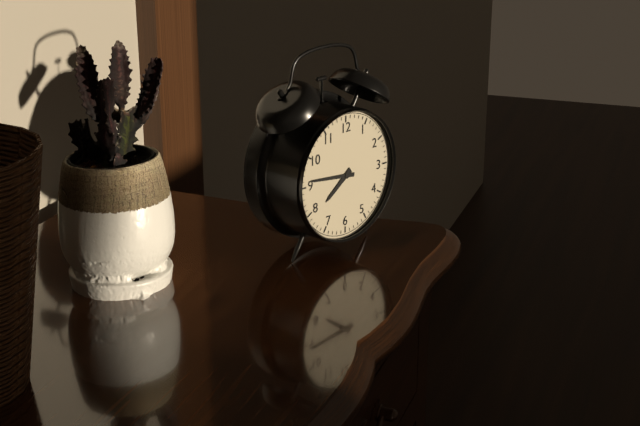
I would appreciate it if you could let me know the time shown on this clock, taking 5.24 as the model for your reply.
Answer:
7.46
